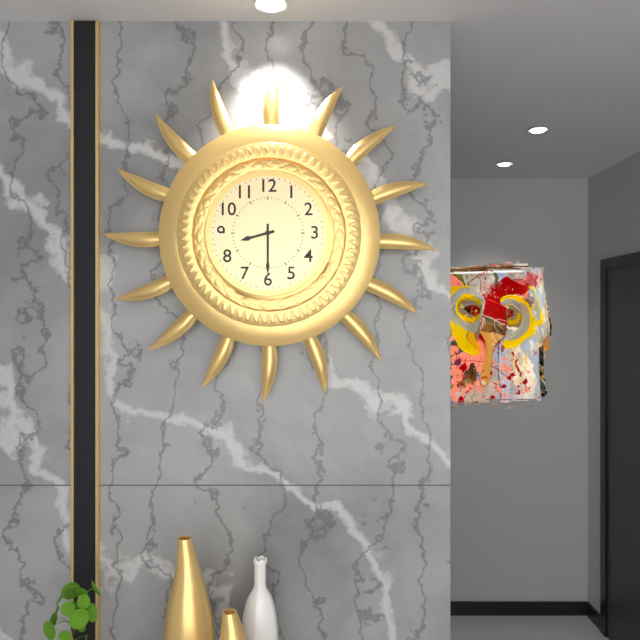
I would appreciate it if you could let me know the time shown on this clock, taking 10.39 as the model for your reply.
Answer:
8.30
